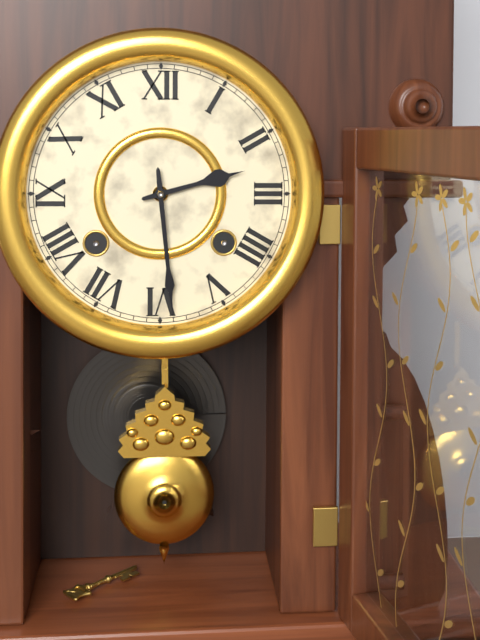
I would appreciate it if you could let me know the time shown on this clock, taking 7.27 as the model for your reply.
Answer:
2.29
